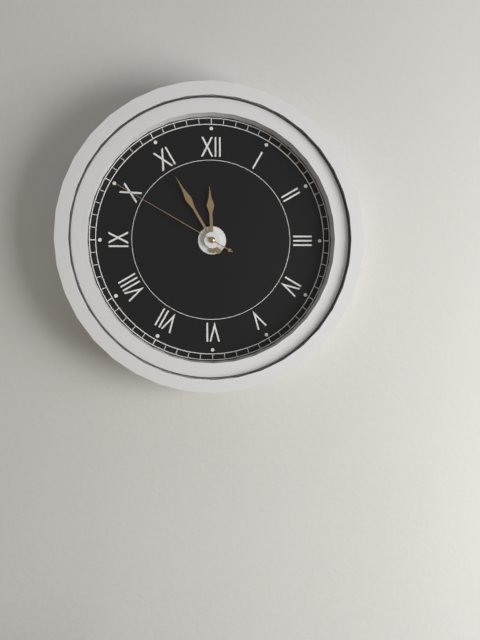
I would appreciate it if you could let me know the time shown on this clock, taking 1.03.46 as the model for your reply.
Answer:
11.55.50
